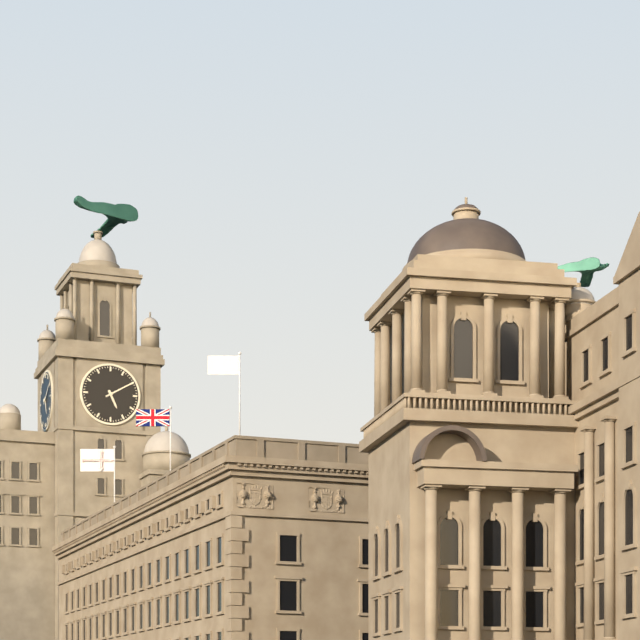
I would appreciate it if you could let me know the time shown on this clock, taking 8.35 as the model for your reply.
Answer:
5.10
